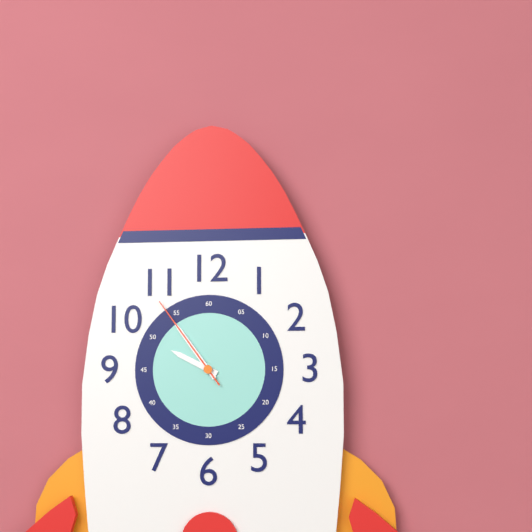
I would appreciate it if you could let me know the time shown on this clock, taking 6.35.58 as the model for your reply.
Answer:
9.54.54
